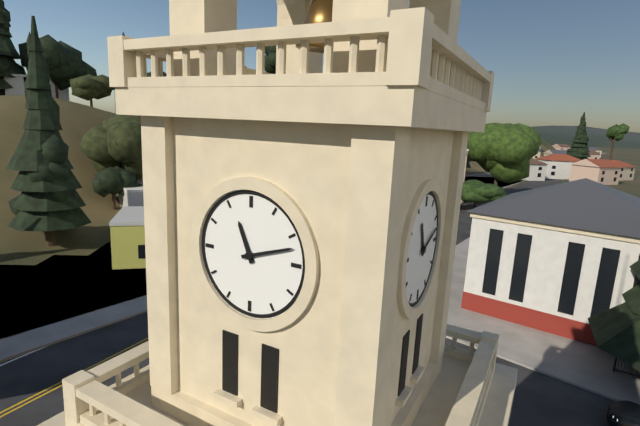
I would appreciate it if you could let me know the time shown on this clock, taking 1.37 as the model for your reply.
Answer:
11.12
